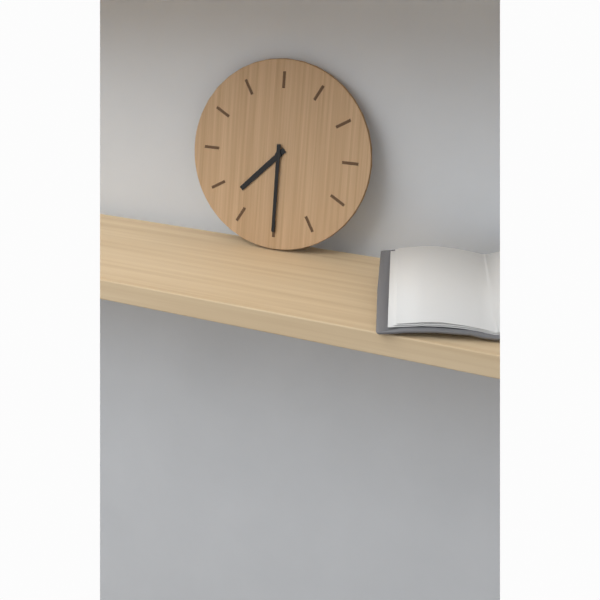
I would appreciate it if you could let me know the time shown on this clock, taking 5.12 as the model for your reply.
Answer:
7.30
